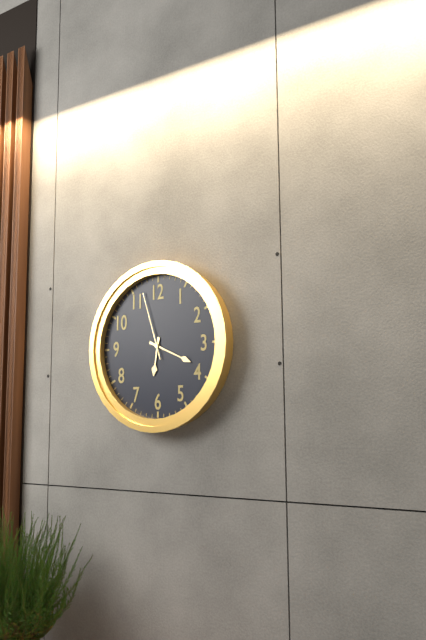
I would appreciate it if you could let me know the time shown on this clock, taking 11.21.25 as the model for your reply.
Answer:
6.19.57
